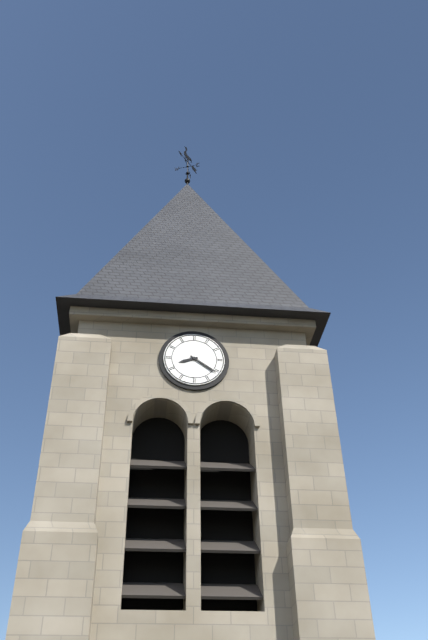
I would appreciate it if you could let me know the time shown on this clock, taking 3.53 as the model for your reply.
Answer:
8.21
